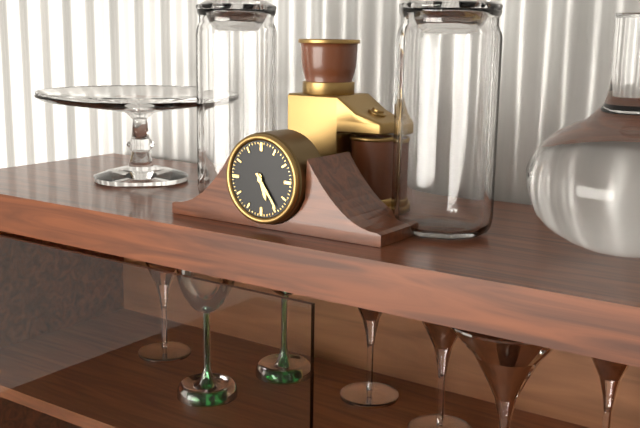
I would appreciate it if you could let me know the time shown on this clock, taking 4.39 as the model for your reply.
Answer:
5.24
